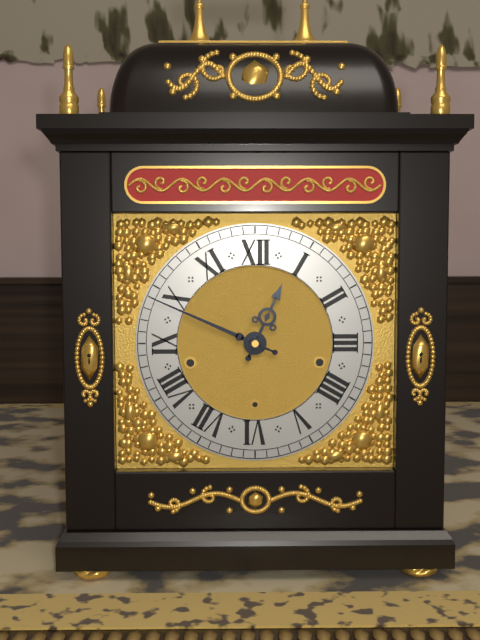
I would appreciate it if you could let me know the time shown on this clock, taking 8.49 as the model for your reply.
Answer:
12.49
